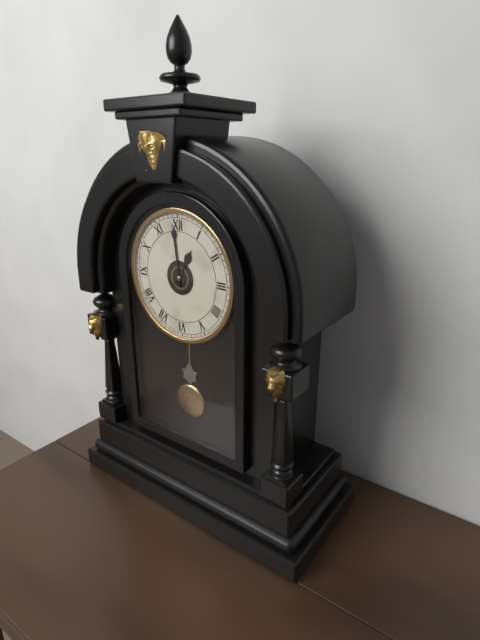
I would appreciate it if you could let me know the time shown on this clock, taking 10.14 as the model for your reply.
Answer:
12.59
